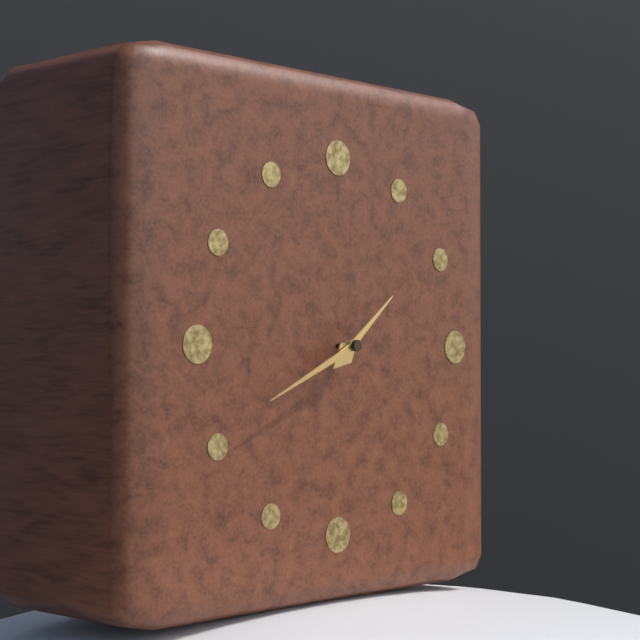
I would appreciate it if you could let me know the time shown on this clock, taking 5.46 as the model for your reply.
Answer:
1.41
